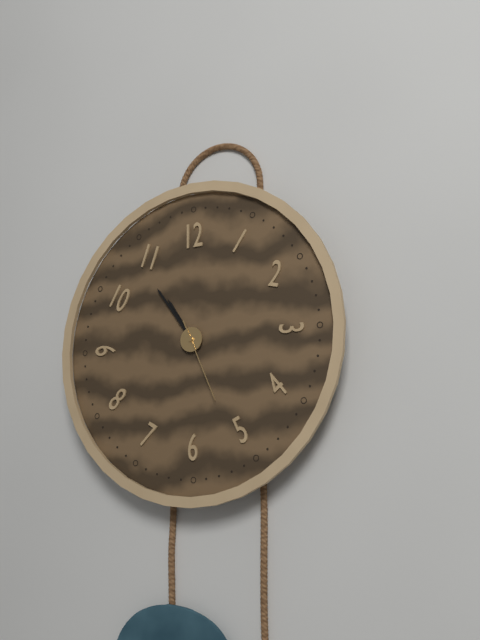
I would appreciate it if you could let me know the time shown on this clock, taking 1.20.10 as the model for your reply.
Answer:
10.54.26
